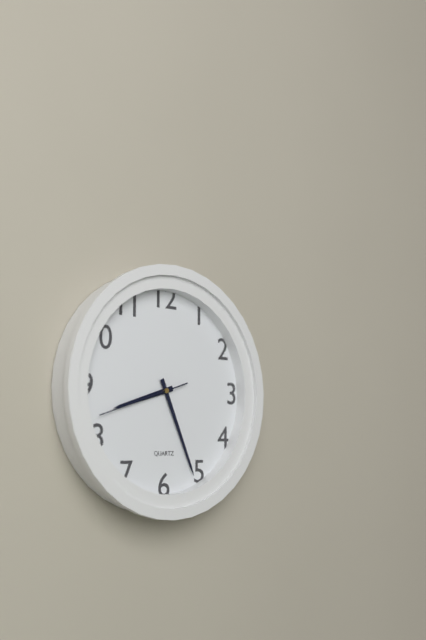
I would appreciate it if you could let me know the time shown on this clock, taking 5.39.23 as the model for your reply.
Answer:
8.26.42
